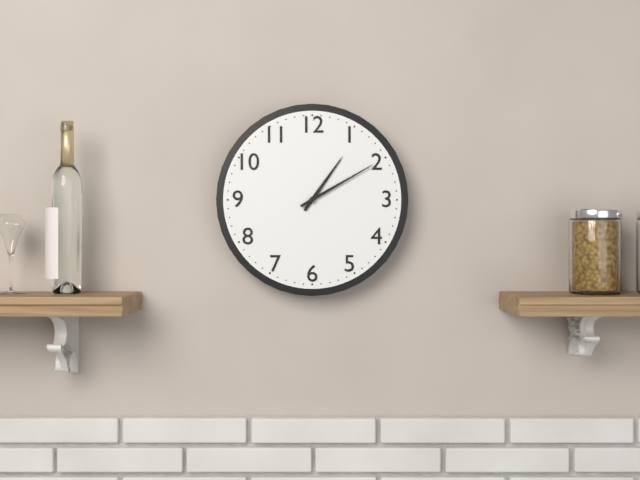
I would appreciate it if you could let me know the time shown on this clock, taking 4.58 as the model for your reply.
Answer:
1.10
